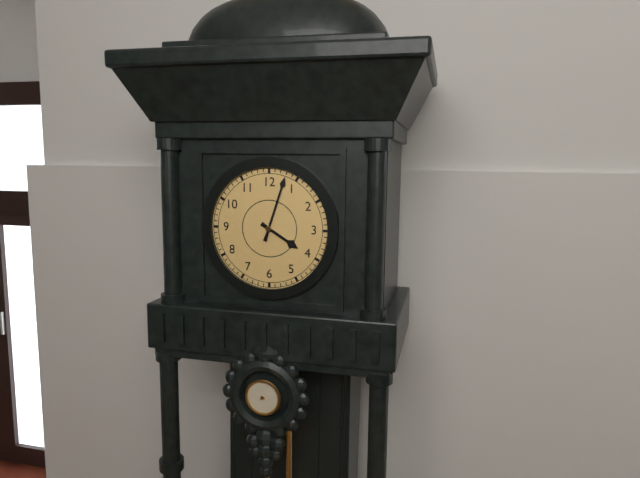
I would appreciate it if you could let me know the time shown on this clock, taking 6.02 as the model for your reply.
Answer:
4.03
